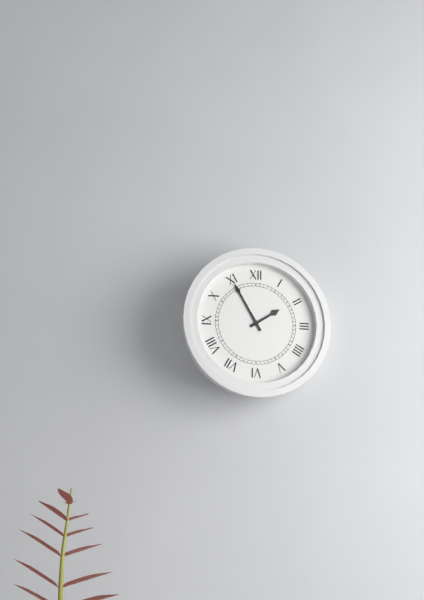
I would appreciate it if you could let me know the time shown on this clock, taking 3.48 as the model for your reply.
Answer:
1.55
